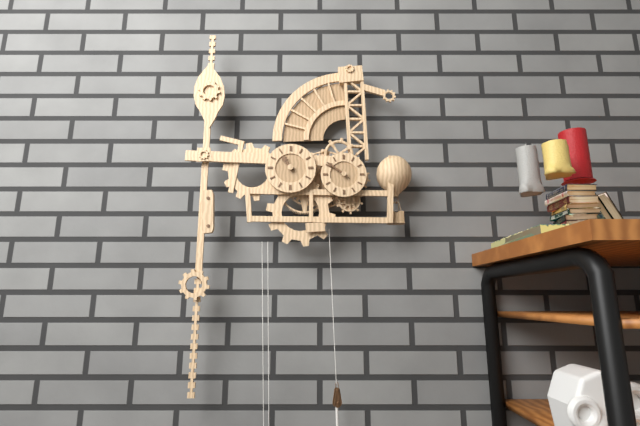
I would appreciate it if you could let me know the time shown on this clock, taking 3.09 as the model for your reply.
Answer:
10.51
